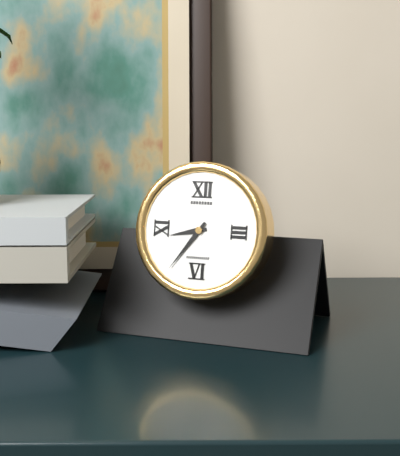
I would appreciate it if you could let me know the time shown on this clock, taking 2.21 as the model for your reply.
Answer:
8.36
